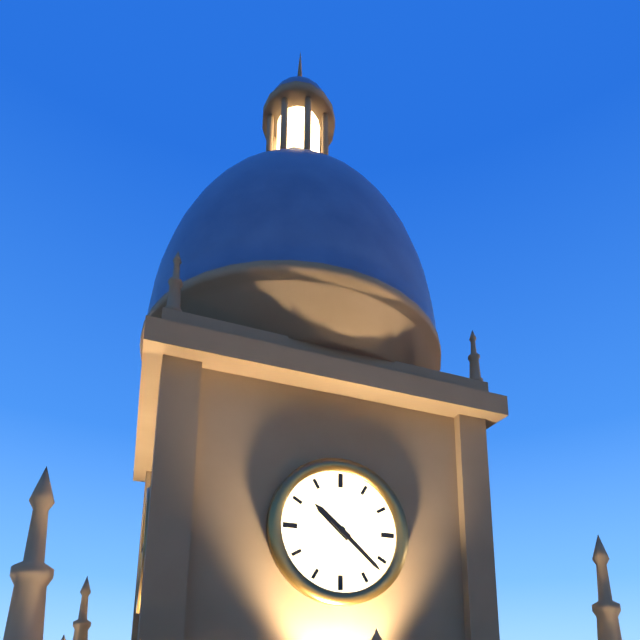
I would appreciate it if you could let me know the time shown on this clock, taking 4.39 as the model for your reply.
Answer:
10.22
